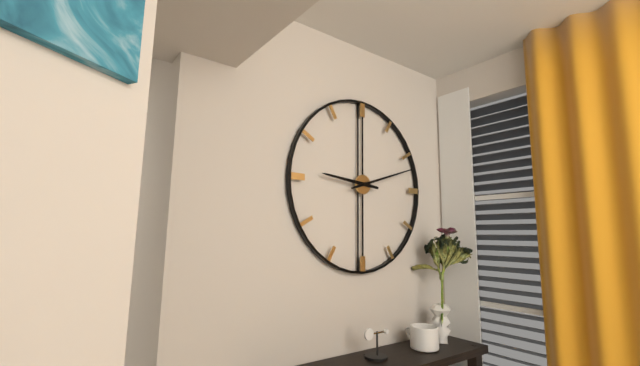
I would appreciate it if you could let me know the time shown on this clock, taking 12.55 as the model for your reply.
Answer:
9.12
